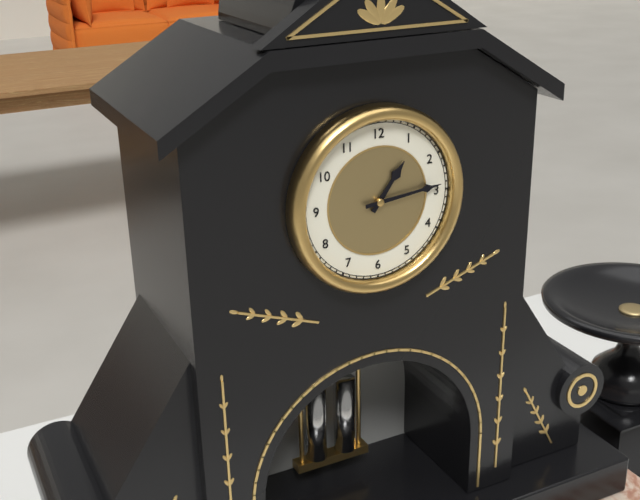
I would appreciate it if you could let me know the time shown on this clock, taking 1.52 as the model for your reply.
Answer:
1.14
